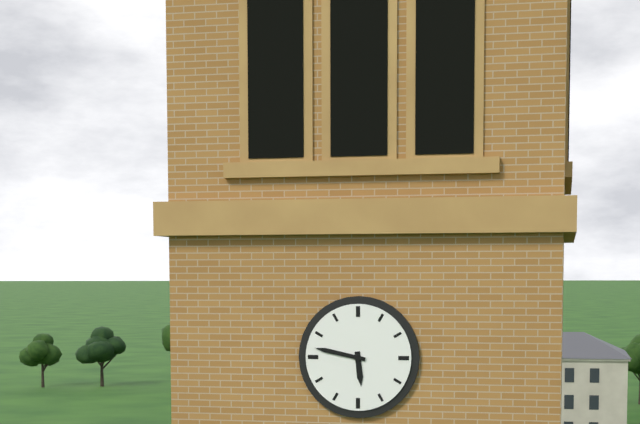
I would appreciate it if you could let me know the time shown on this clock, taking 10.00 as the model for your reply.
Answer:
5.47
